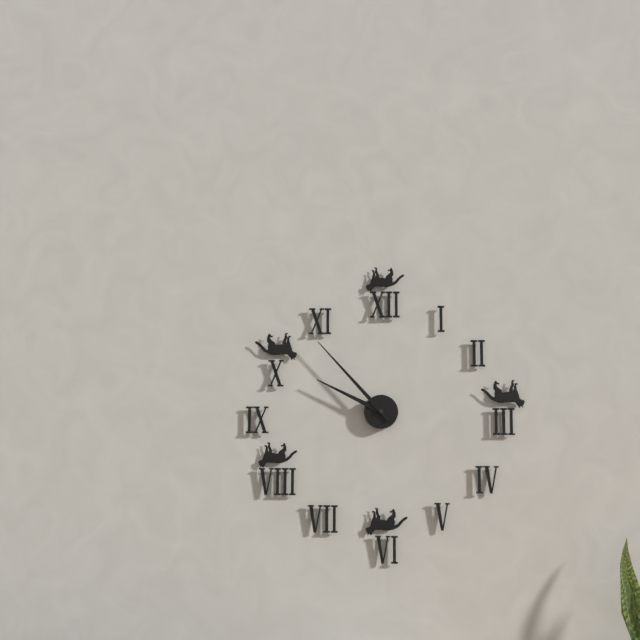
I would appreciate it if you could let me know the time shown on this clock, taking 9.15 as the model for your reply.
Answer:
9.53
